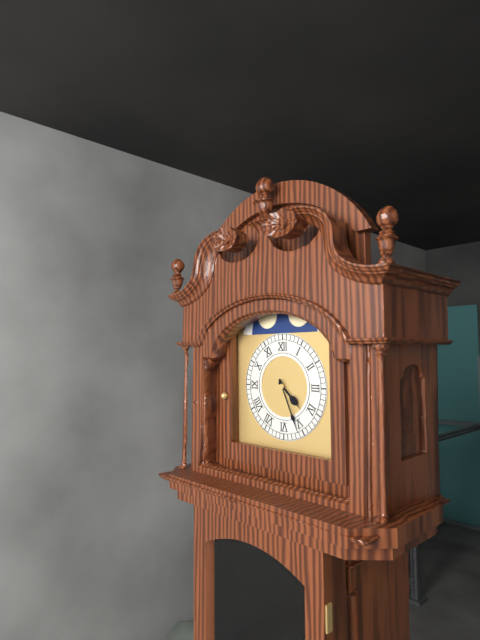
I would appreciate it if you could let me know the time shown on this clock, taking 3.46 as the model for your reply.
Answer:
4.26
